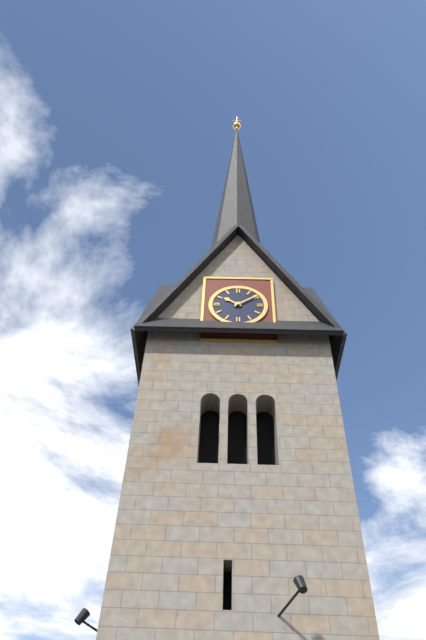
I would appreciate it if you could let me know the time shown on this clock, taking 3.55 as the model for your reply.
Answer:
10.09
